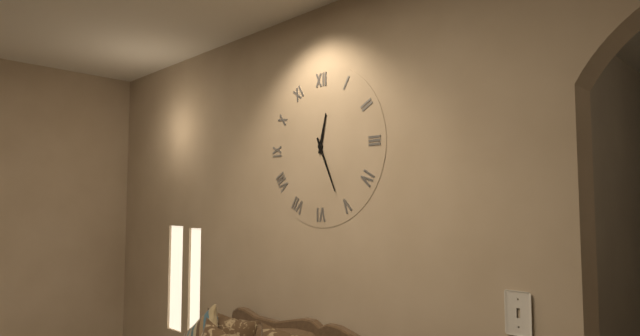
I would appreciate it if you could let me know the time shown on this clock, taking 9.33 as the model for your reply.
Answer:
12.26
